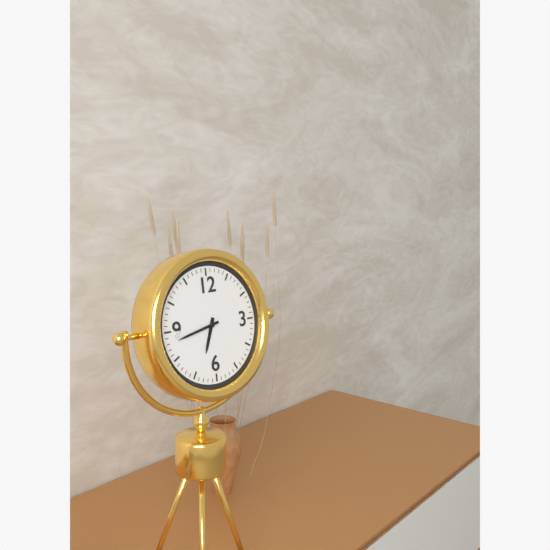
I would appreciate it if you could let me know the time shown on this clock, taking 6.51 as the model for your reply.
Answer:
6.43
